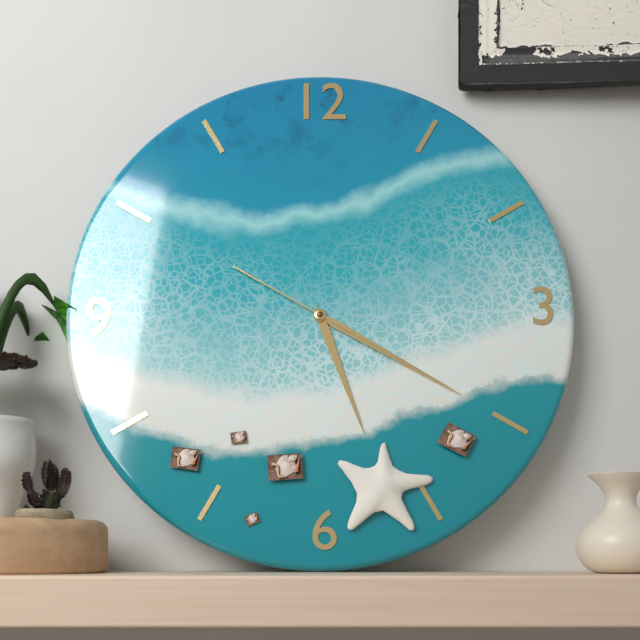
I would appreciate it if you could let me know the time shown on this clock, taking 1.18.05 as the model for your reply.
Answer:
5.20.50
